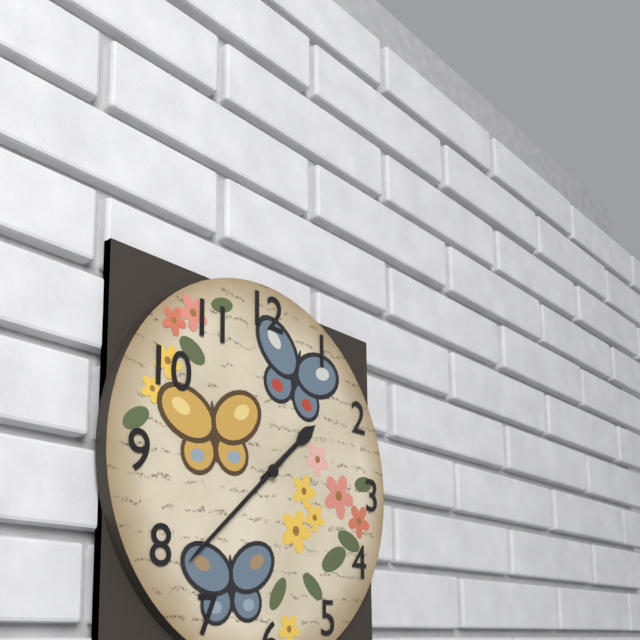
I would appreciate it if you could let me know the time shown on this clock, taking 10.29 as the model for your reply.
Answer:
1.38
